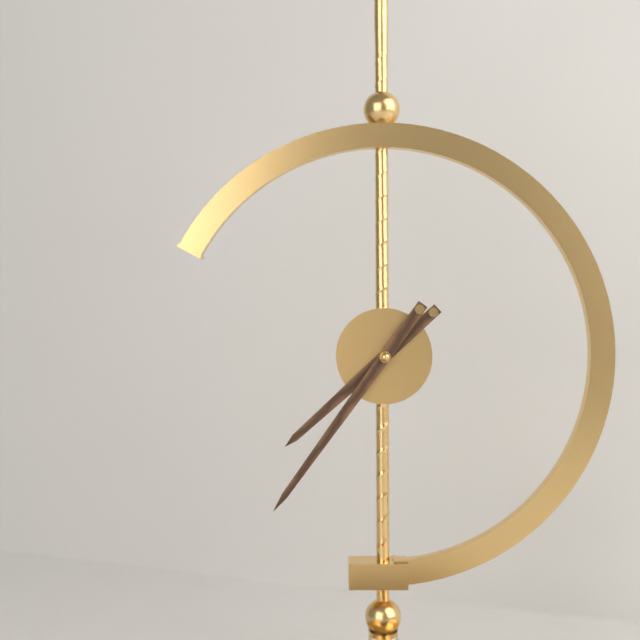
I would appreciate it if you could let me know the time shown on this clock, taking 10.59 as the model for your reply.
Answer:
7.36
